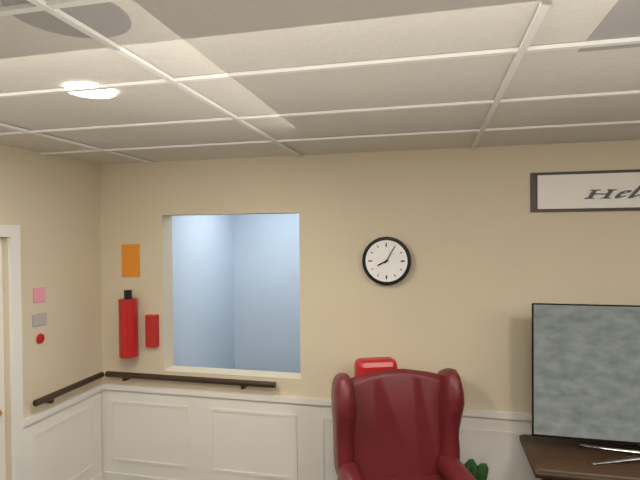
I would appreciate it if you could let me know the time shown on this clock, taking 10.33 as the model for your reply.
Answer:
8.05
